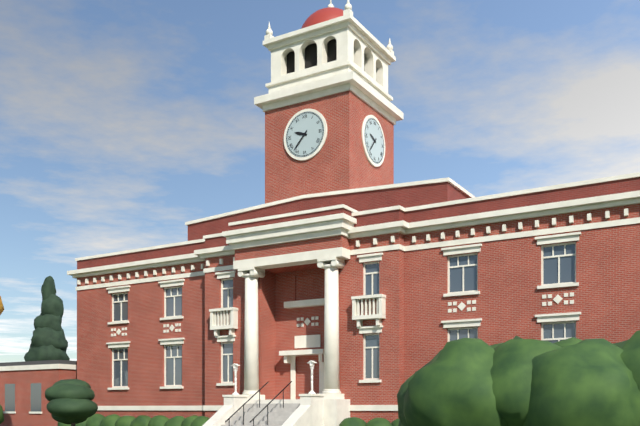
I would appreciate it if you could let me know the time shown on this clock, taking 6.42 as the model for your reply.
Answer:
9.37
